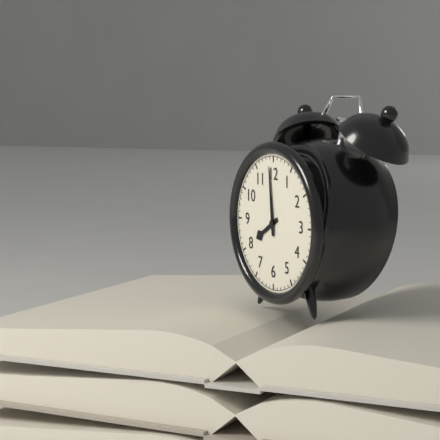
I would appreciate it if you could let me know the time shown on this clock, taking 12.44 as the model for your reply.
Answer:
7.59
